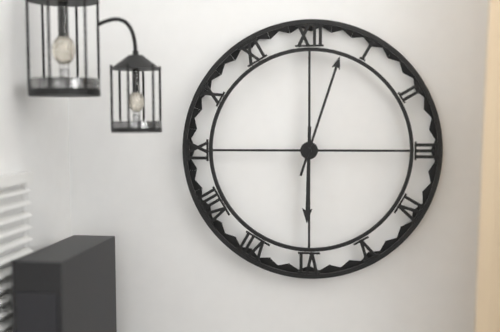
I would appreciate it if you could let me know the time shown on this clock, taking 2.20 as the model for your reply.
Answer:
6.03
